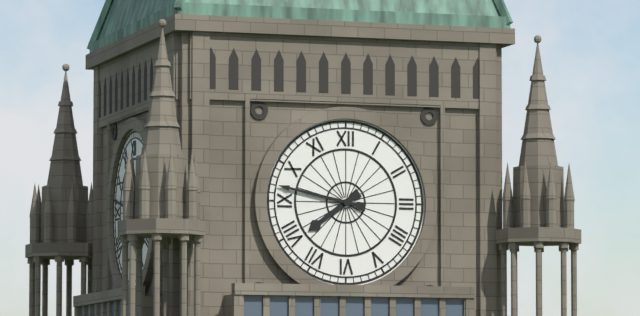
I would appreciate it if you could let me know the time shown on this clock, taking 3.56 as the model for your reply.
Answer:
7.47
